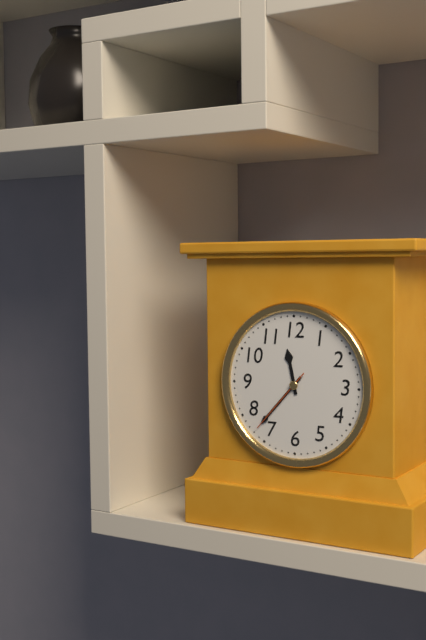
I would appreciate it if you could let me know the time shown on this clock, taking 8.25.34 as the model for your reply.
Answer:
11.37.37
